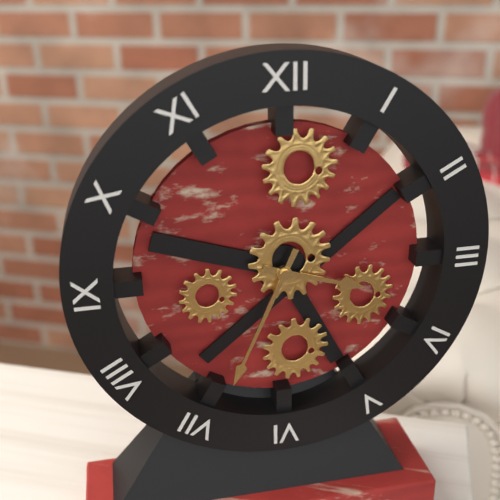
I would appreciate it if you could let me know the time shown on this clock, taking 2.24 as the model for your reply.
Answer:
3.34
